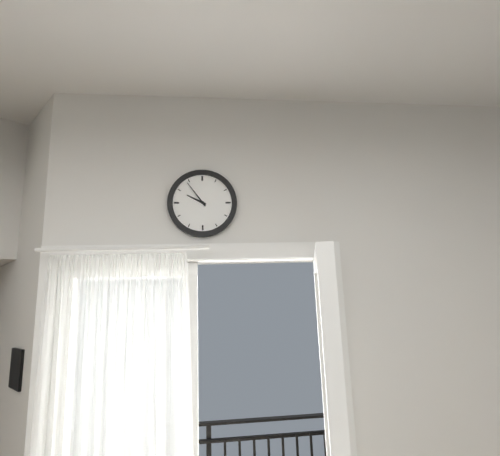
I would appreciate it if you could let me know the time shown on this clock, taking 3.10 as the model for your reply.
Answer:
9.54
